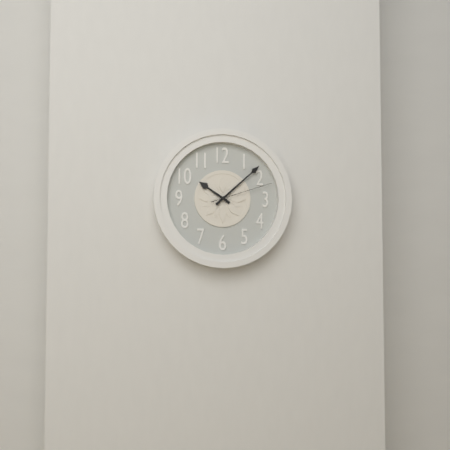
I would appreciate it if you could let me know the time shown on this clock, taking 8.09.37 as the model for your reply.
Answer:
10.08.12
